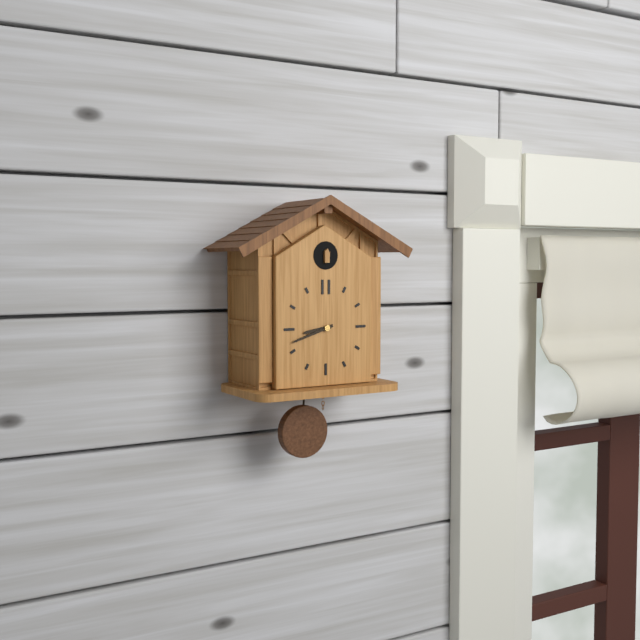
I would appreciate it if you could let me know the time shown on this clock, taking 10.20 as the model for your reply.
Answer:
8.42
